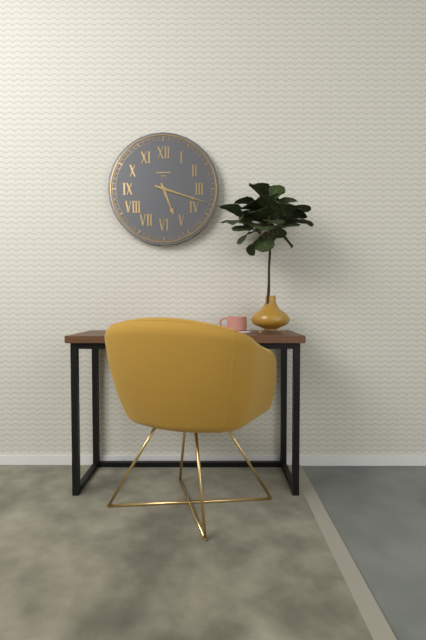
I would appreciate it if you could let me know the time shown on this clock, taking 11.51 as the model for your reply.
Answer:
5.18
